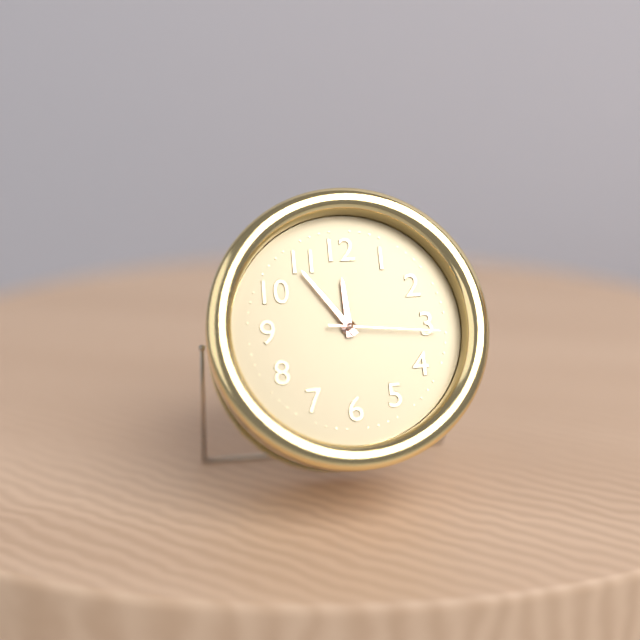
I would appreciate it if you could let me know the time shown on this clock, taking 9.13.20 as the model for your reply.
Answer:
11.54.16
